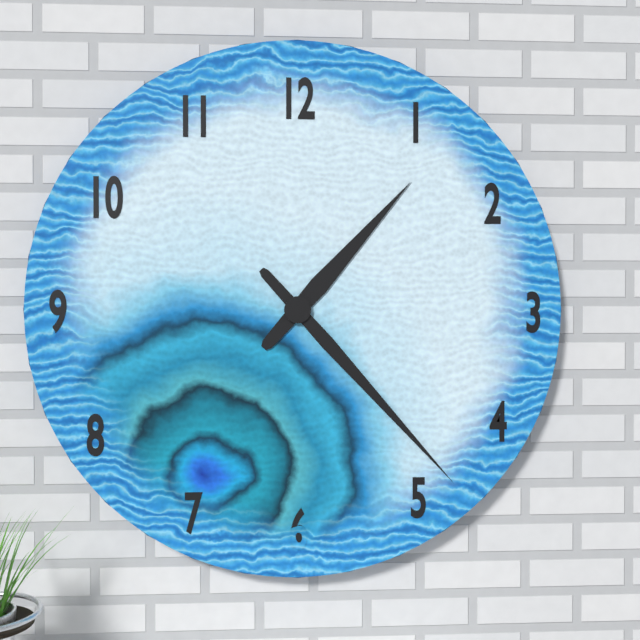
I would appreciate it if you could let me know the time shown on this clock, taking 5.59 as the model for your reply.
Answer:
1.23
